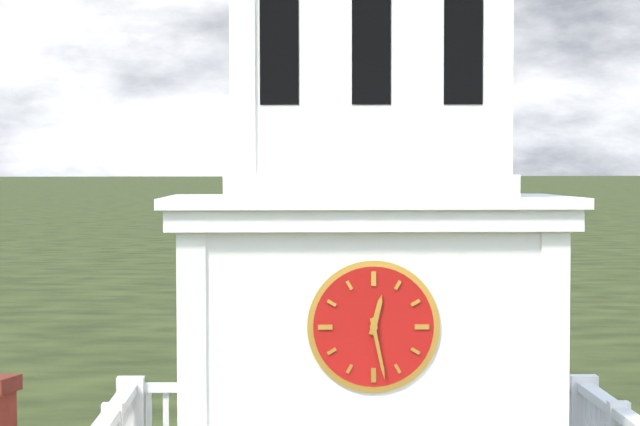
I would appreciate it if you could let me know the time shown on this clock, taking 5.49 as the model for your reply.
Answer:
12.28
